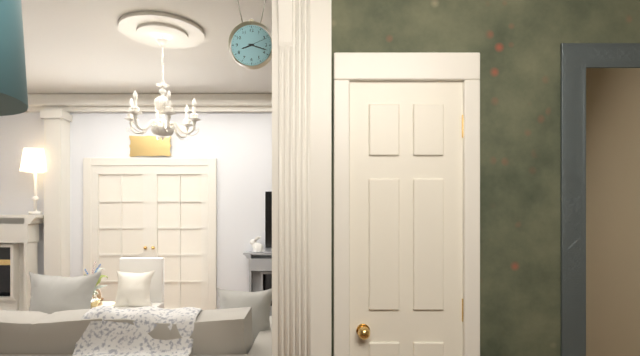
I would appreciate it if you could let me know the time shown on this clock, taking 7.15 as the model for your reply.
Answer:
8.18
